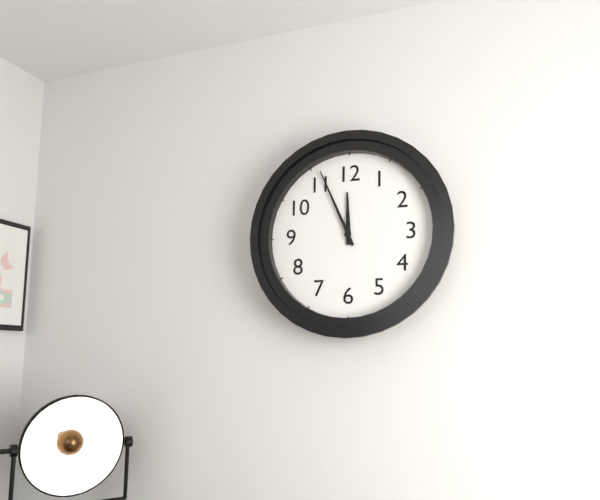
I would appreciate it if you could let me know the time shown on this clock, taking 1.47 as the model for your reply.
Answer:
11.56
